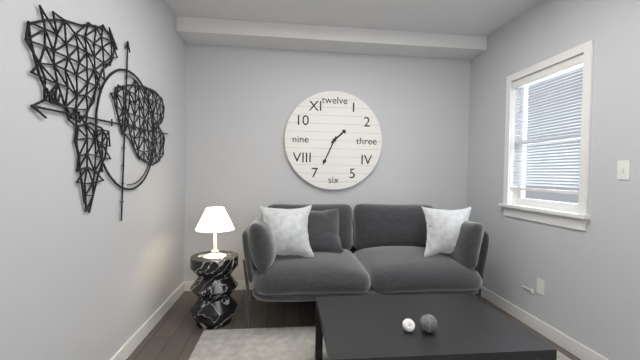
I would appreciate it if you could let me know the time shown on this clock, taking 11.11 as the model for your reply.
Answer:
1.34
